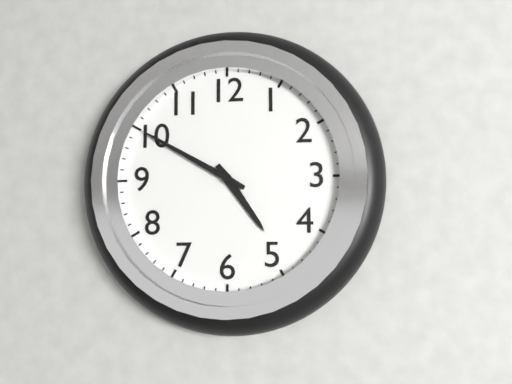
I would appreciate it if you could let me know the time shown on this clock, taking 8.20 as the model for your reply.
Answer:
4.50
